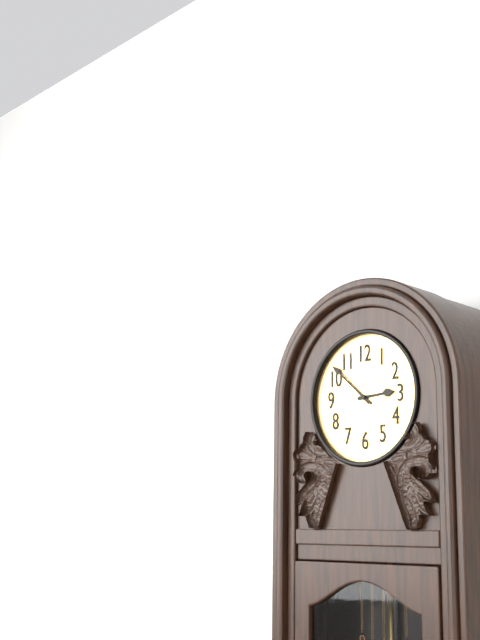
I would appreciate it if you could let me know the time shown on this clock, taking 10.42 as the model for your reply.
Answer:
2.52
